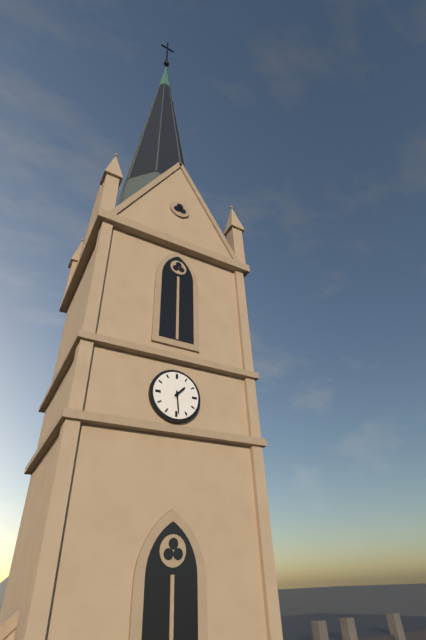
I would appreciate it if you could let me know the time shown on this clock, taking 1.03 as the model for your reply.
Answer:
1.29
